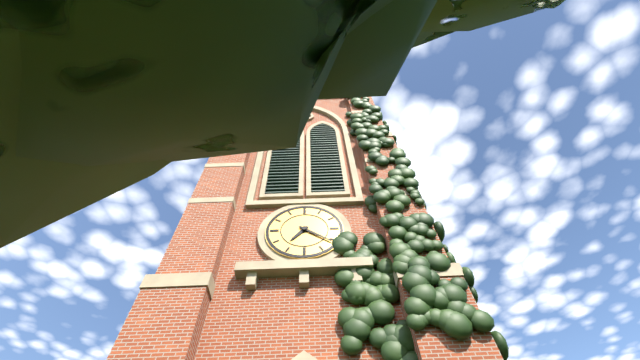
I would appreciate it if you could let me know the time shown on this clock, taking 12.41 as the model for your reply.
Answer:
7.21
